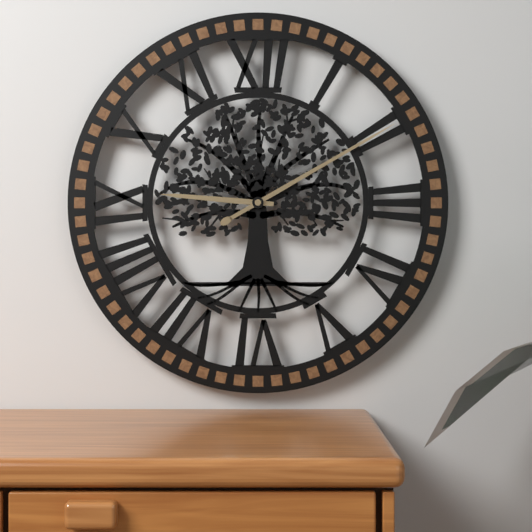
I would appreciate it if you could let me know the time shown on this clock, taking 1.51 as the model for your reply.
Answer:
9.10
